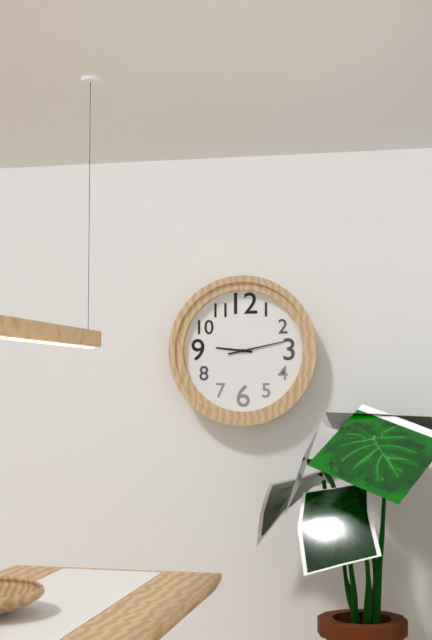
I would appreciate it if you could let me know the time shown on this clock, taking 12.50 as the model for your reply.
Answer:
9.13
